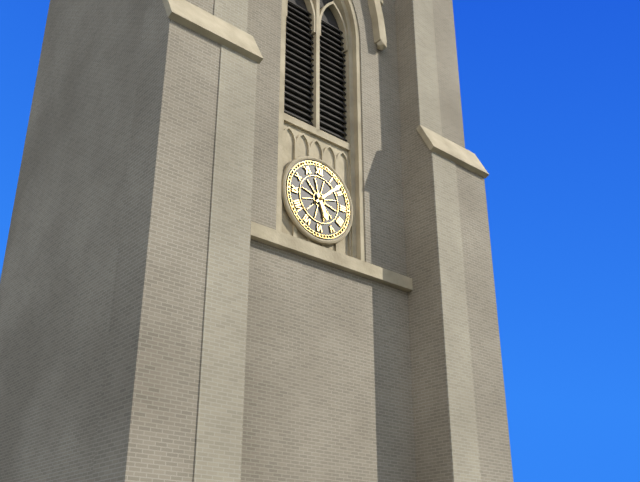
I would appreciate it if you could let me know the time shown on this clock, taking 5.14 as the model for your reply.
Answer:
5.08
